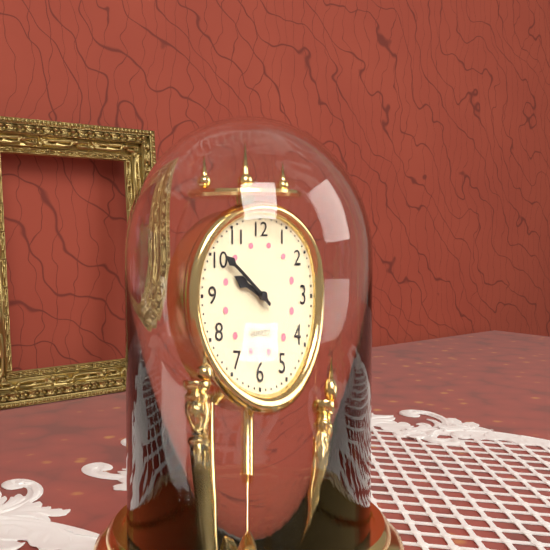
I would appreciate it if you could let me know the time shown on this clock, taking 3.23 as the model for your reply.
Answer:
9.51
